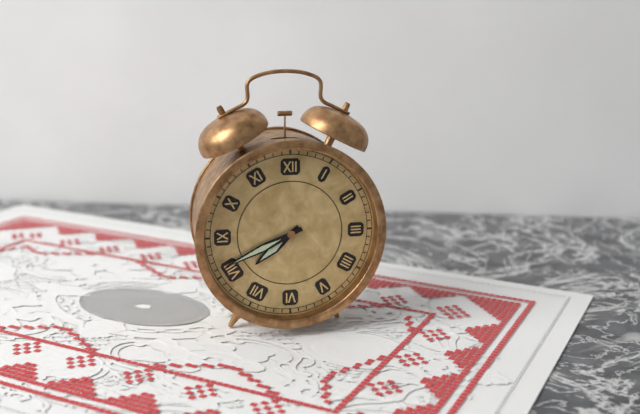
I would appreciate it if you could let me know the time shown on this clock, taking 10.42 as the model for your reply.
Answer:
7.41
